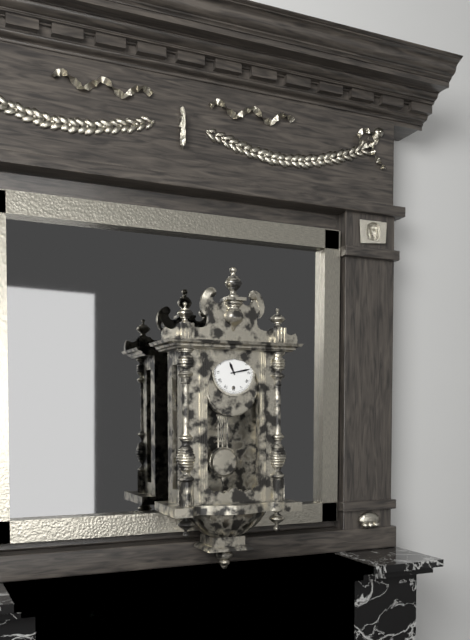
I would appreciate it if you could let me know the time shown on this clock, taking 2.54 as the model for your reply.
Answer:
11.13
